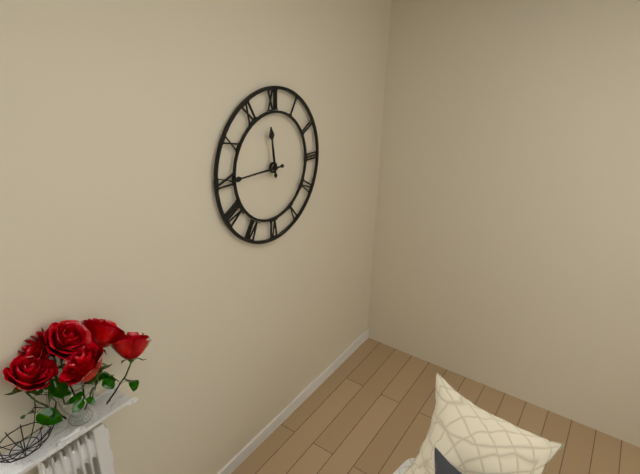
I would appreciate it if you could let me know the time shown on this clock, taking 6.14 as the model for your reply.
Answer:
11.45
